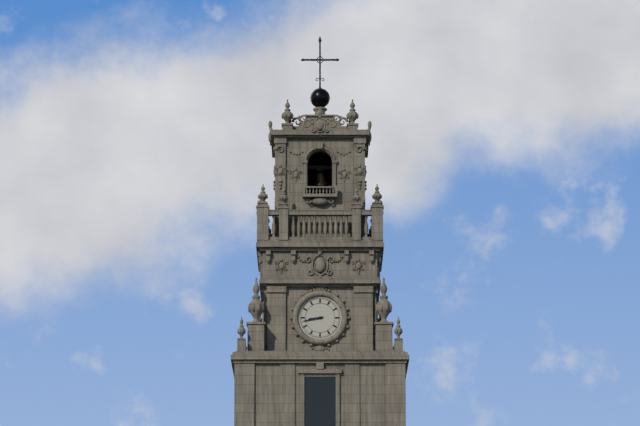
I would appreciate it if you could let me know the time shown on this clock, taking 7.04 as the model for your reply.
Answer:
8.43
